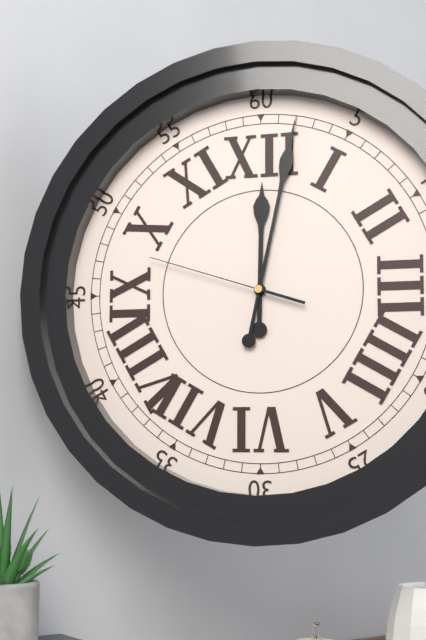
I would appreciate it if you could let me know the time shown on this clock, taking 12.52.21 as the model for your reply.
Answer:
12.02.48
